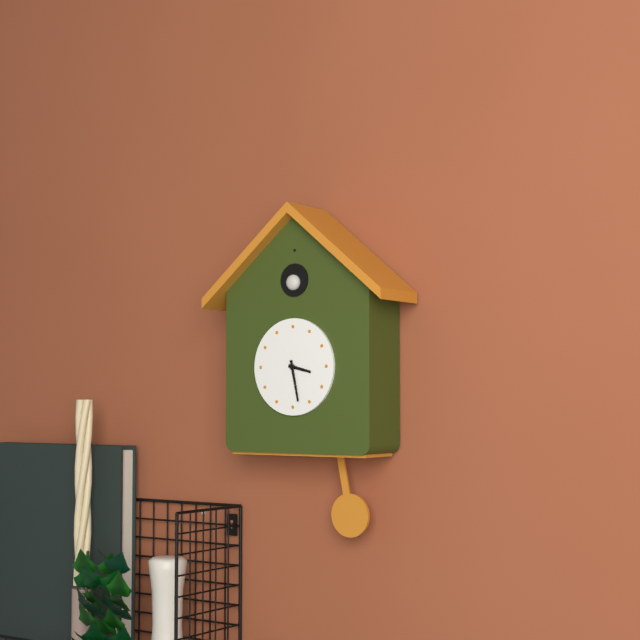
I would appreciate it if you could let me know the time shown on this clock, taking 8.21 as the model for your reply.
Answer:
3.28
